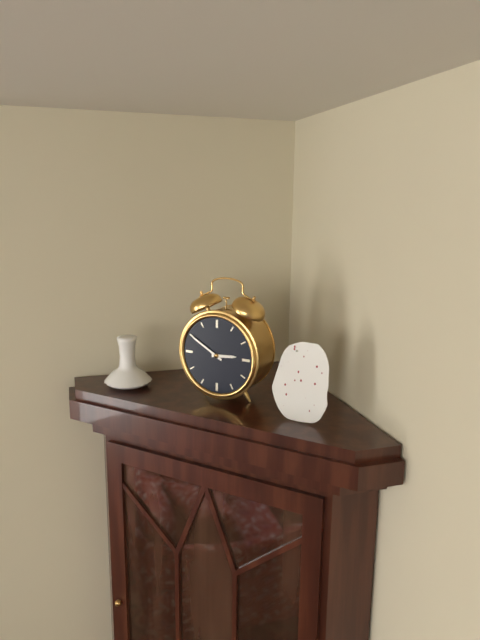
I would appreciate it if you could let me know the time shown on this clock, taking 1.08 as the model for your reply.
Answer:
2.50
